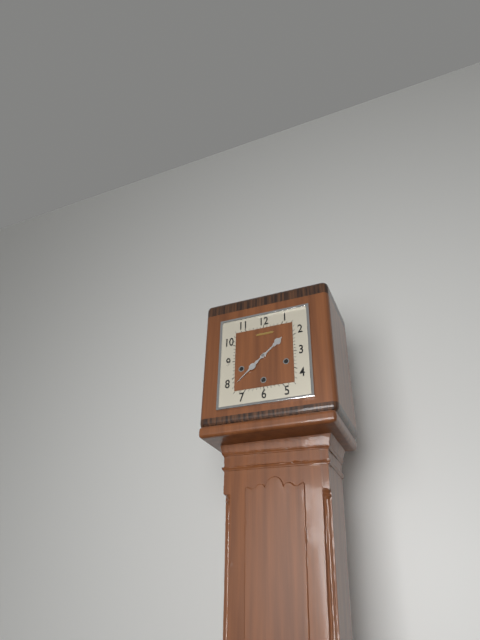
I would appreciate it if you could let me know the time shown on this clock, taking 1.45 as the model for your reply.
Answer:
1.38
